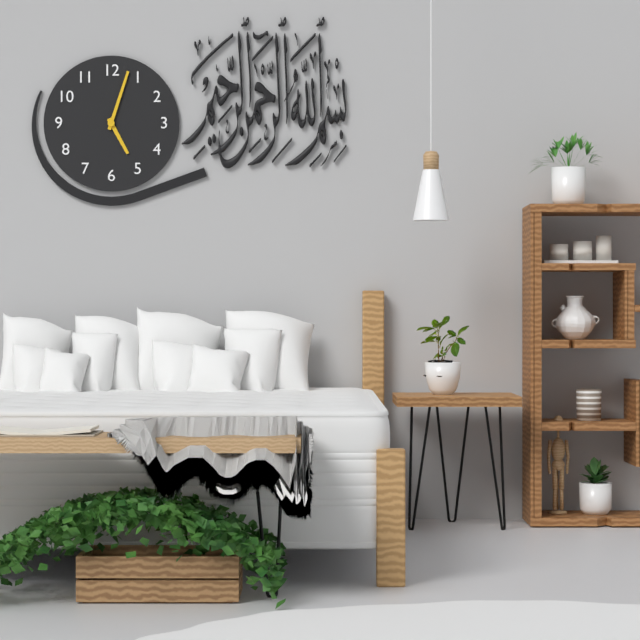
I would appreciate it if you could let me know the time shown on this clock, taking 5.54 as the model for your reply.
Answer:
5.03
